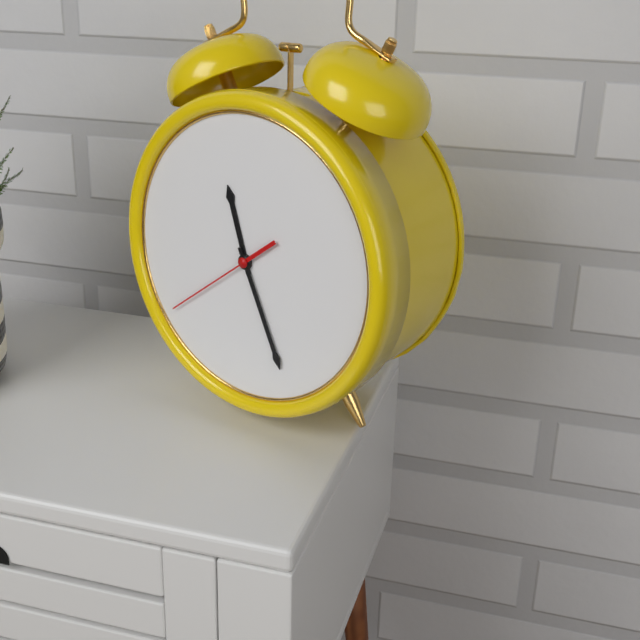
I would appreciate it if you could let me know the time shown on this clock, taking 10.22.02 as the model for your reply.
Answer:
11.26.39
